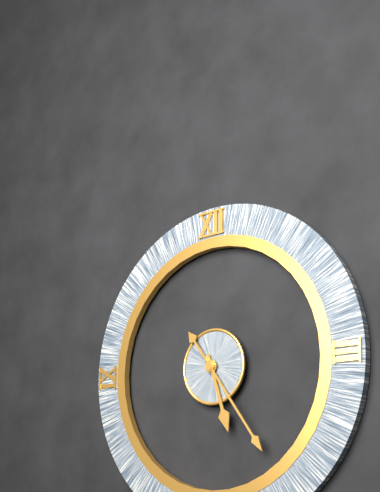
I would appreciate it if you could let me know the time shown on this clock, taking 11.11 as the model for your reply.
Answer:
5.24
